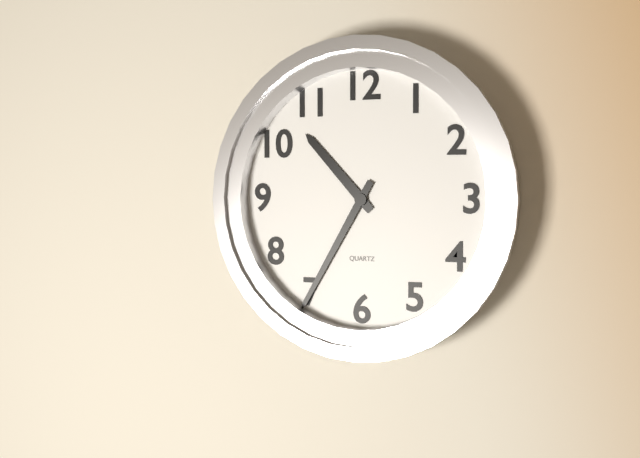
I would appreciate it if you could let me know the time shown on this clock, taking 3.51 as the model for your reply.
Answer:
10.35
